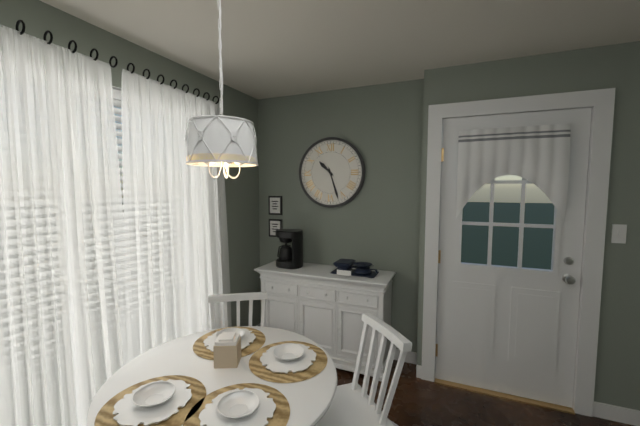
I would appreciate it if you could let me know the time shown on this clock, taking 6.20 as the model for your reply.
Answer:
10.27
